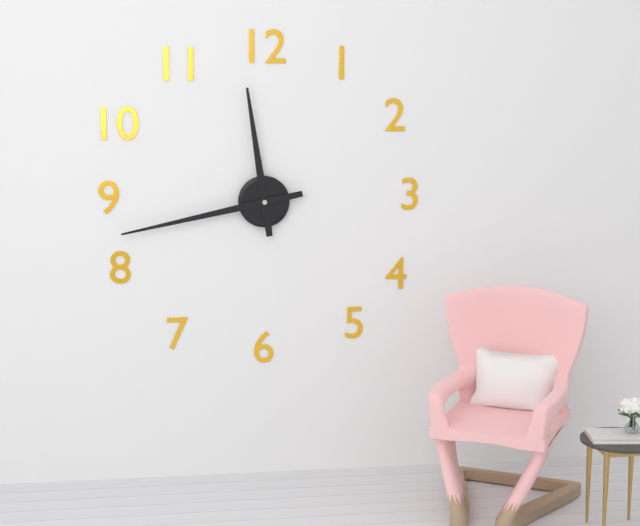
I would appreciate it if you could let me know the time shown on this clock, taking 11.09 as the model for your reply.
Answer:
11.43
